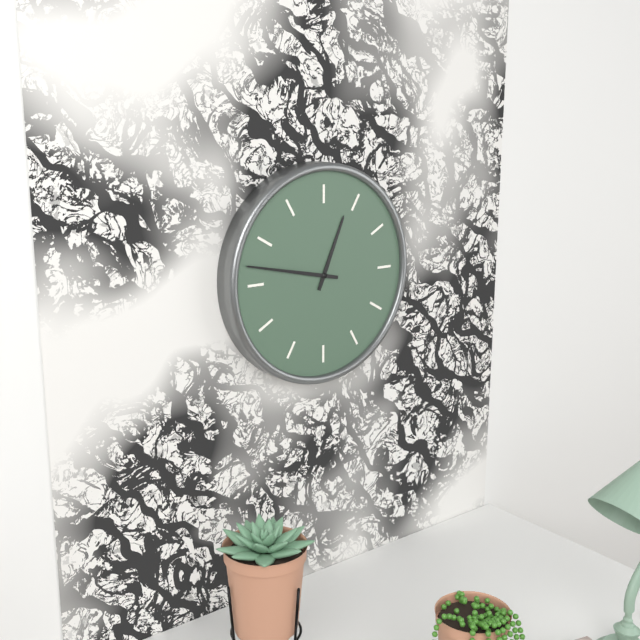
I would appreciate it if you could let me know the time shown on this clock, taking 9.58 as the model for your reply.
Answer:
12.47
